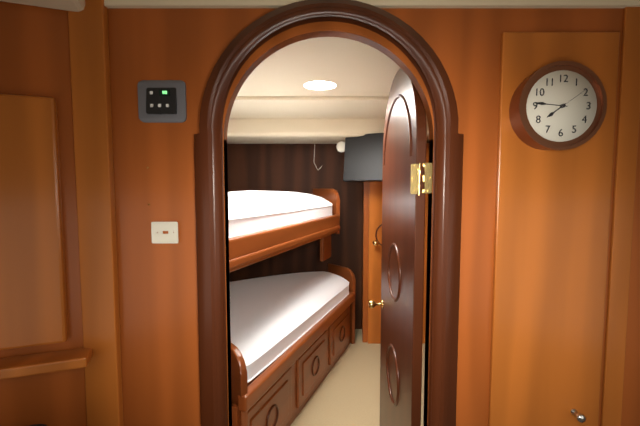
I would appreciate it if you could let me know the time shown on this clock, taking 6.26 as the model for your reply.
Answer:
7.46
